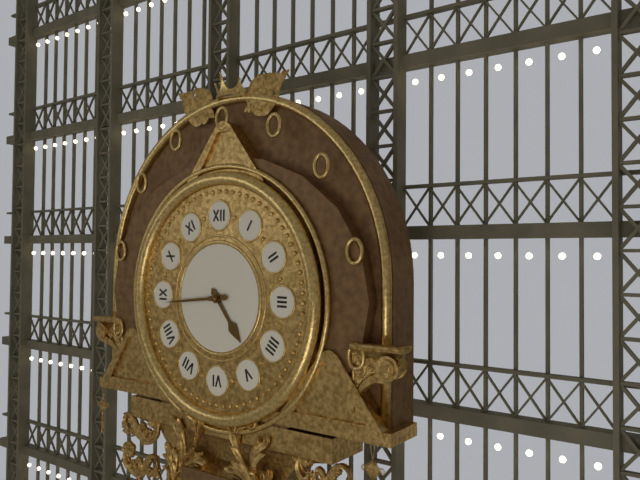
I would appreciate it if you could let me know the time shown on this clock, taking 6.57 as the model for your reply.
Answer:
4.44
